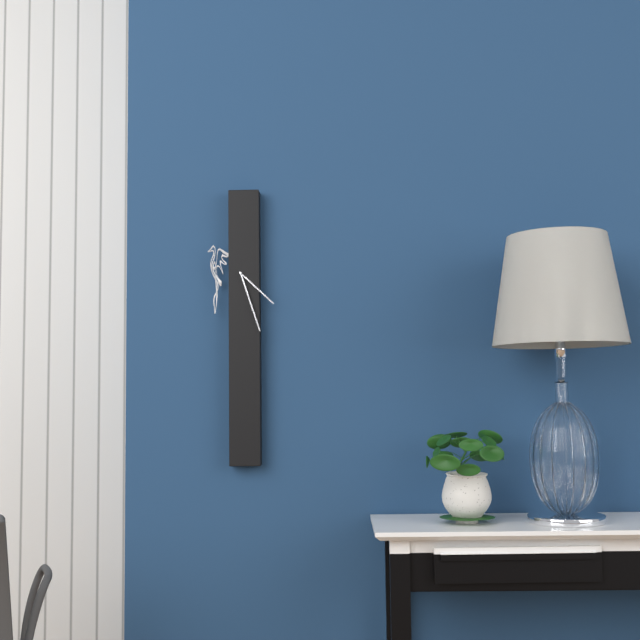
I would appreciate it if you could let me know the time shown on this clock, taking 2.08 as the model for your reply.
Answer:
4.27
